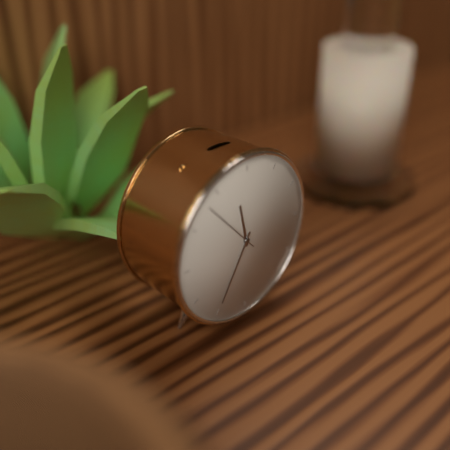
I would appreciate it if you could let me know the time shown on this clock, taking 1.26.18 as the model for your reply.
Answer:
11.35.53
